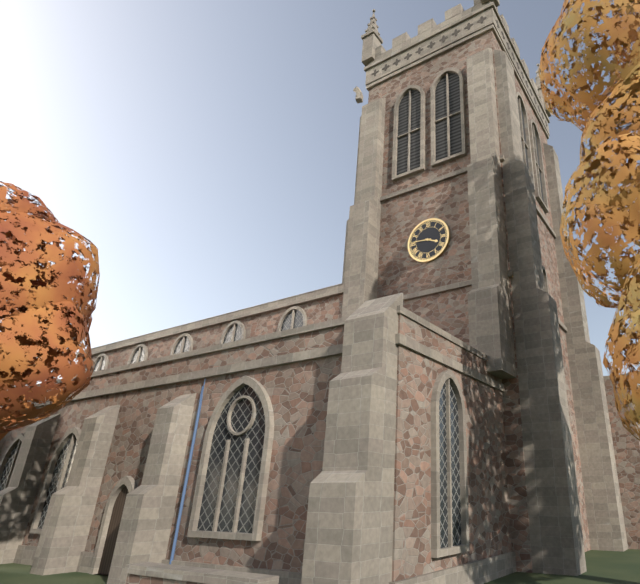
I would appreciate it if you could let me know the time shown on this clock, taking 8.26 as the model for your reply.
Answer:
3.46
